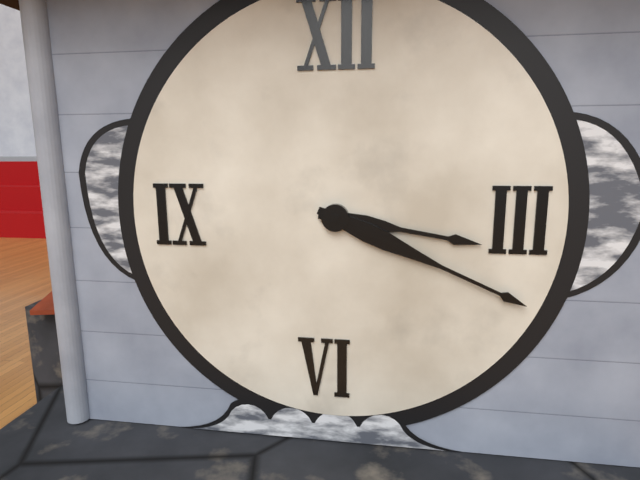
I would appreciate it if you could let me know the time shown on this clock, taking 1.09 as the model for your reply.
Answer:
3.19
